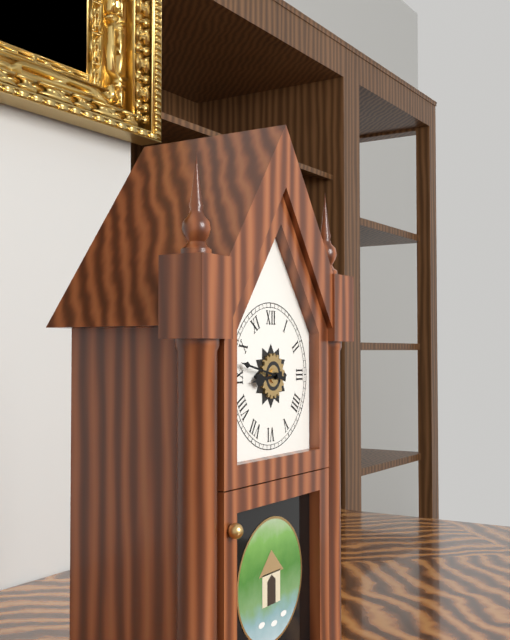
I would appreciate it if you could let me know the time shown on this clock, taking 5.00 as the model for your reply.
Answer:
8.47
